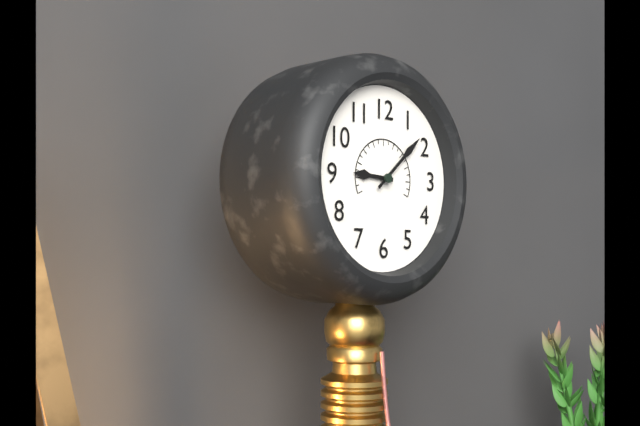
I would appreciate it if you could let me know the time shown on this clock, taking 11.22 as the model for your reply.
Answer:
9.08
